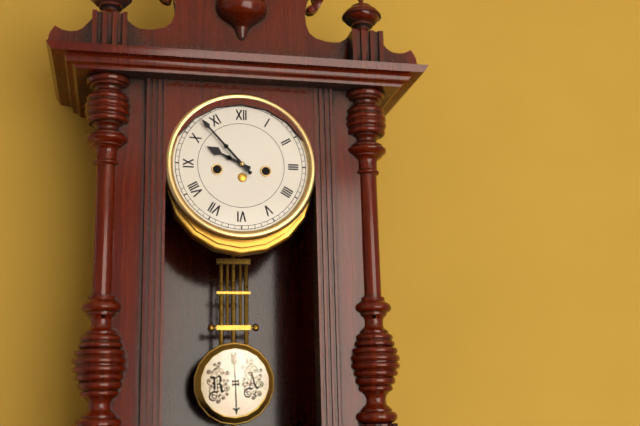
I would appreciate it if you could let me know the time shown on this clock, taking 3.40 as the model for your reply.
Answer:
9.53
